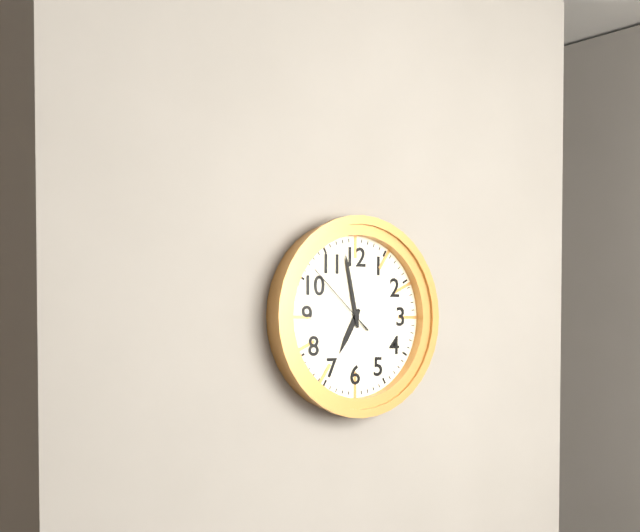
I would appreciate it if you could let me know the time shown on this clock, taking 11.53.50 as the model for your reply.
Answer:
6.58.52
